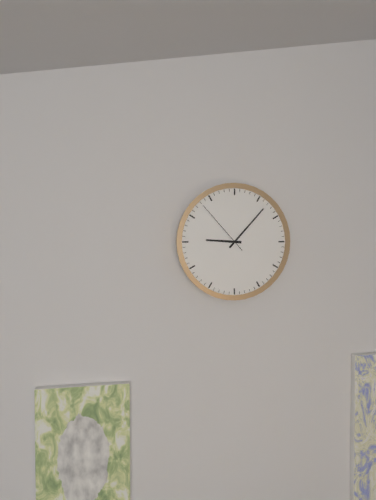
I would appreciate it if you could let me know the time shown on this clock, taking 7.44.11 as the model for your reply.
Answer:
9.07.53
